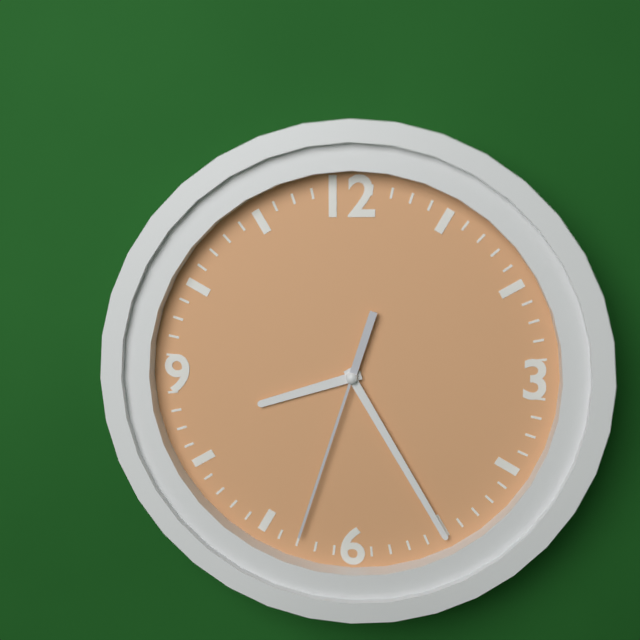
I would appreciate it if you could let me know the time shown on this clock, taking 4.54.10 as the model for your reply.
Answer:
8.25.33
